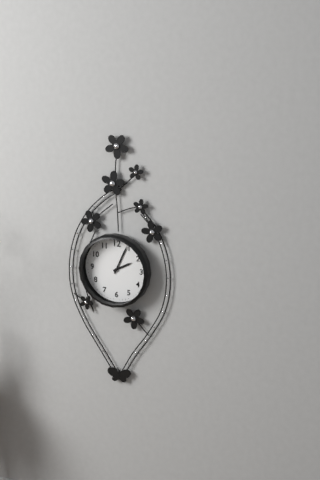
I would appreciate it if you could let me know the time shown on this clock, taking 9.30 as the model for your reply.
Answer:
2.04
